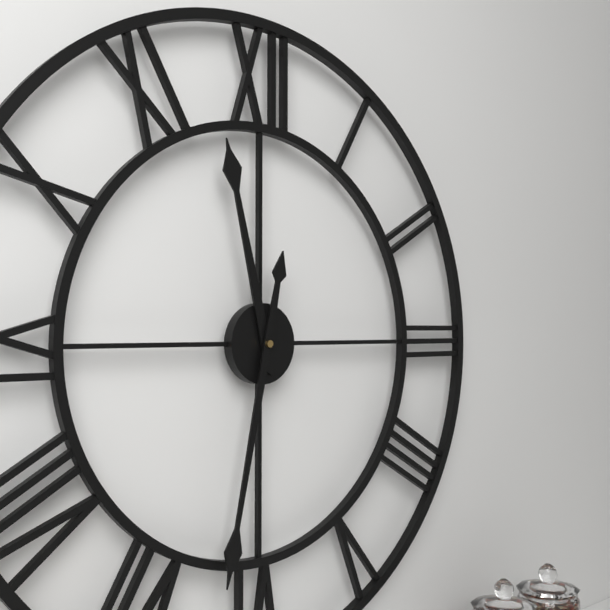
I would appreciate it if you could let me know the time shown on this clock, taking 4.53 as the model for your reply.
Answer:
11.32
